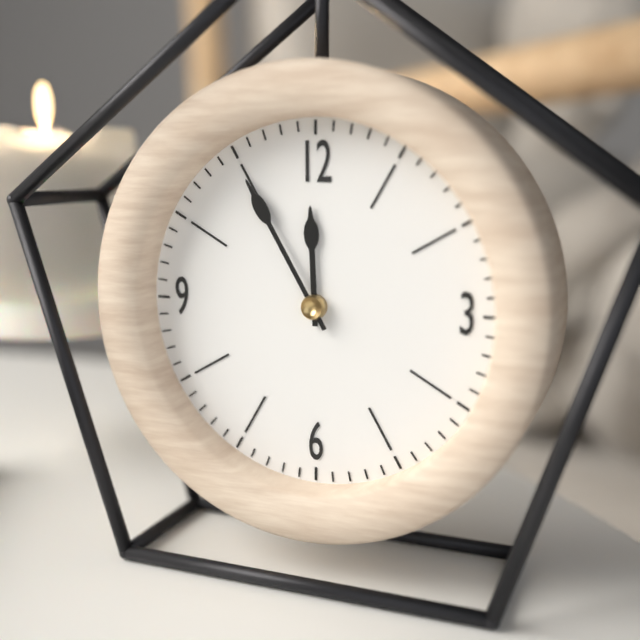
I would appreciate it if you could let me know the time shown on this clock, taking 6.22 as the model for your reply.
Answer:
11.55
